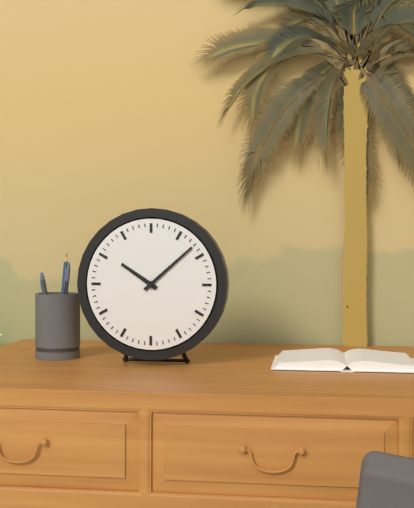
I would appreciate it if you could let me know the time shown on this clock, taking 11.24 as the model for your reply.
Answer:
10.08
